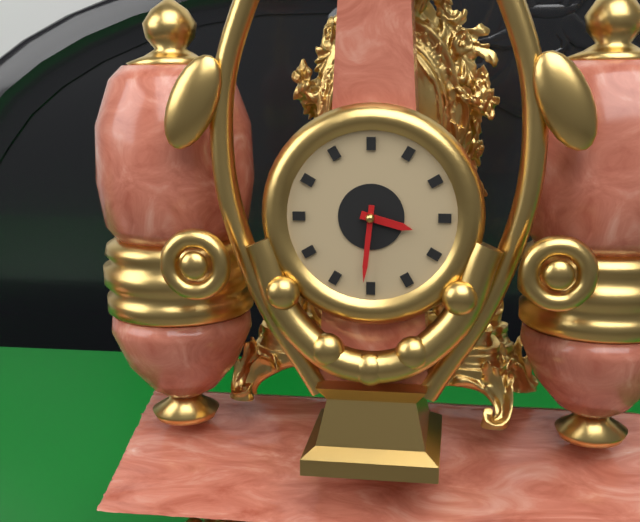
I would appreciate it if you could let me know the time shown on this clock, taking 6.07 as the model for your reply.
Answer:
3.31
